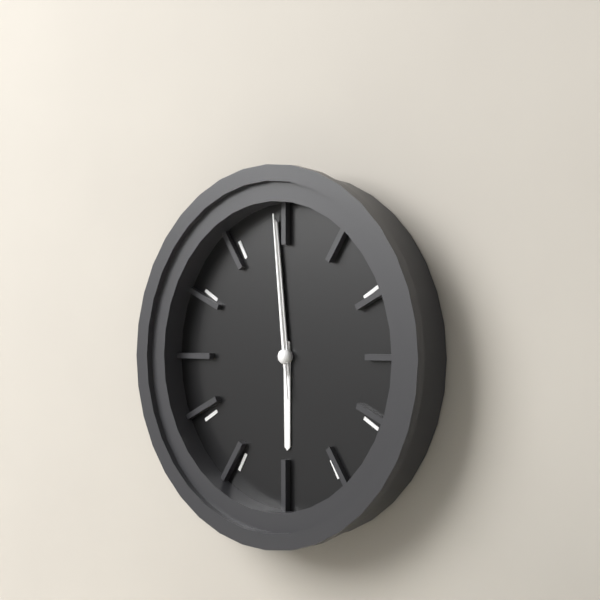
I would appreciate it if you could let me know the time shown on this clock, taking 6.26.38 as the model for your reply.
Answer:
5.59.59
